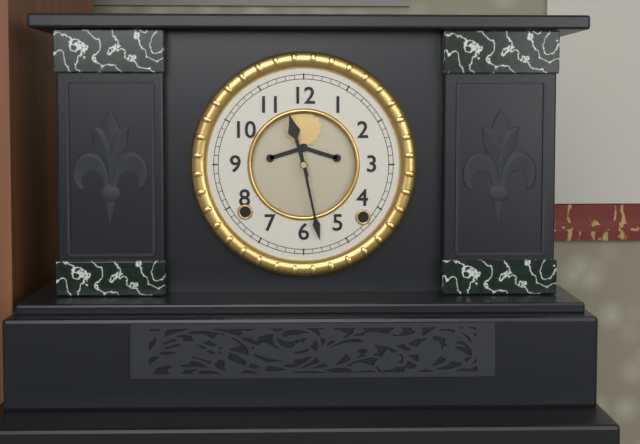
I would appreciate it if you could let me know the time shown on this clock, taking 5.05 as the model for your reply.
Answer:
11.28
